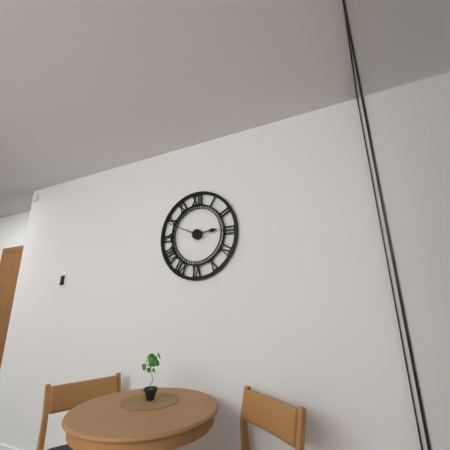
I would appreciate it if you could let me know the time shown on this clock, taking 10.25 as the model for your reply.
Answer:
2.49
